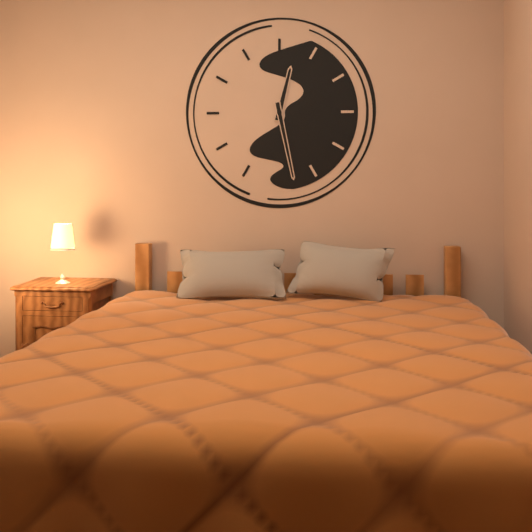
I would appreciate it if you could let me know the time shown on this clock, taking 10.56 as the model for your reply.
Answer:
12.28
